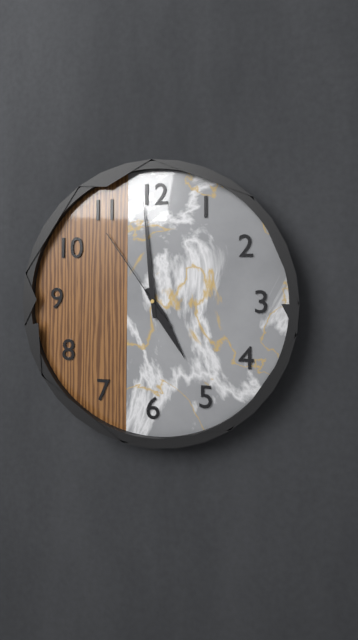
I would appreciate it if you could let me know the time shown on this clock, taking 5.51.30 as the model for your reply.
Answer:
4.59.54
